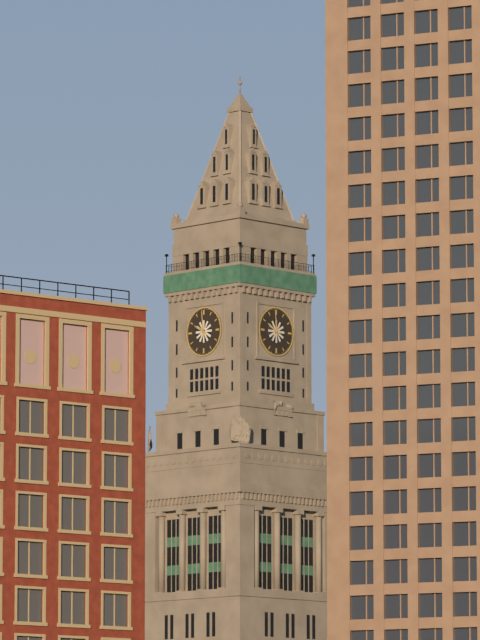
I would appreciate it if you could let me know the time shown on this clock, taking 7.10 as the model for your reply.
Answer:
9.59
